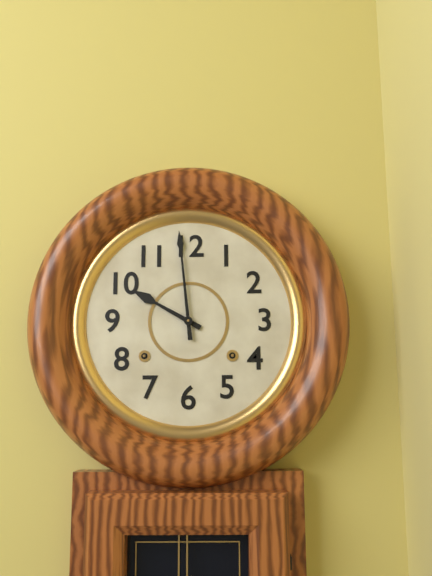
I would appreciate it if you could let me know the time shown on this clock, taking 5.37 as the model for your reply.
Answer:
9.59
